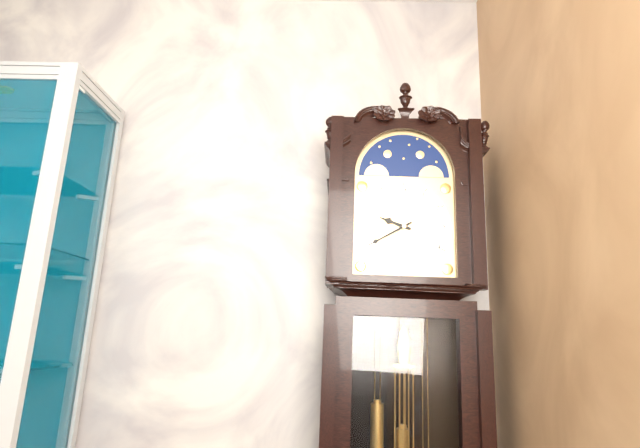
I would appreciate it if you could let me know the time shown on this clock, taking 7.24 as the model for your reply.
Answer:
9.40
